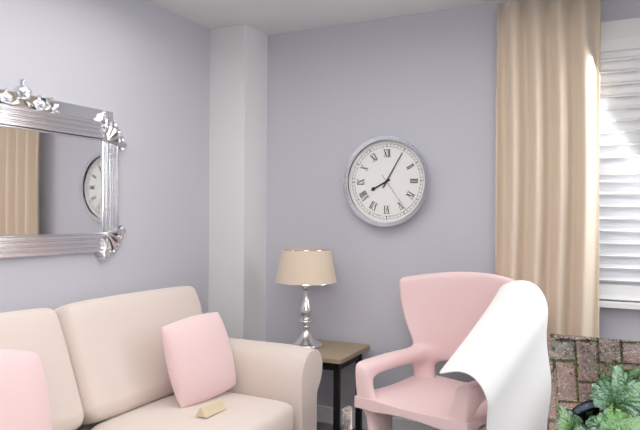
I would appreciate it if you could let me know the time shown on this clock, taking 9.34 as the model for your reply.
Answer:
8.05
